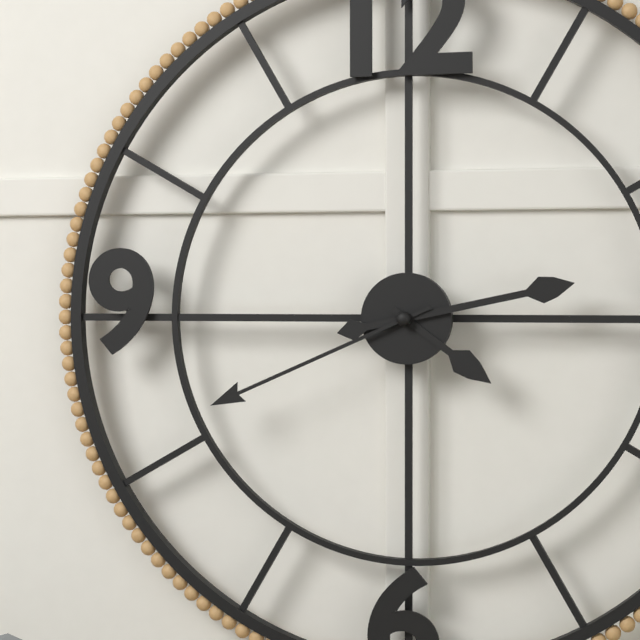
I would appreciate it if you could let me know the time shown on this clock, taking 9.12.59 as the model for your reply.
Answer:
4.13.41
